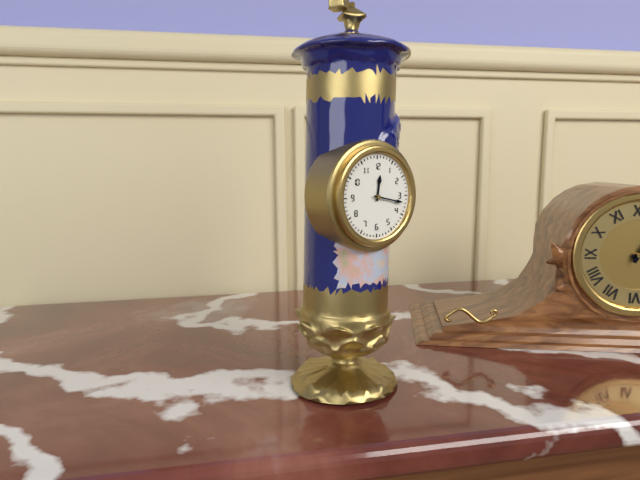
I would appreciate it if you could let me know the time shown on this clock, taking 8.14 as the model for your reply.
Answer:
12.17
